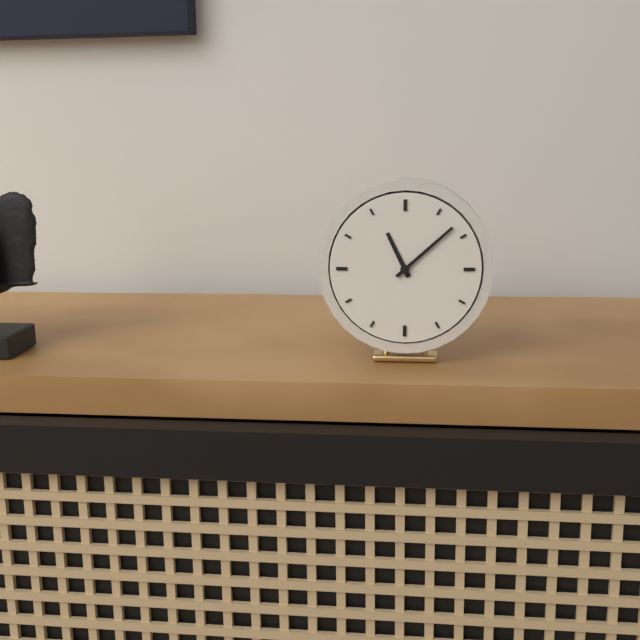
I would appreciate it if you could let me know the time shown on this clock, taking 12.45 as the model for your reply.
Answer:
11.08
